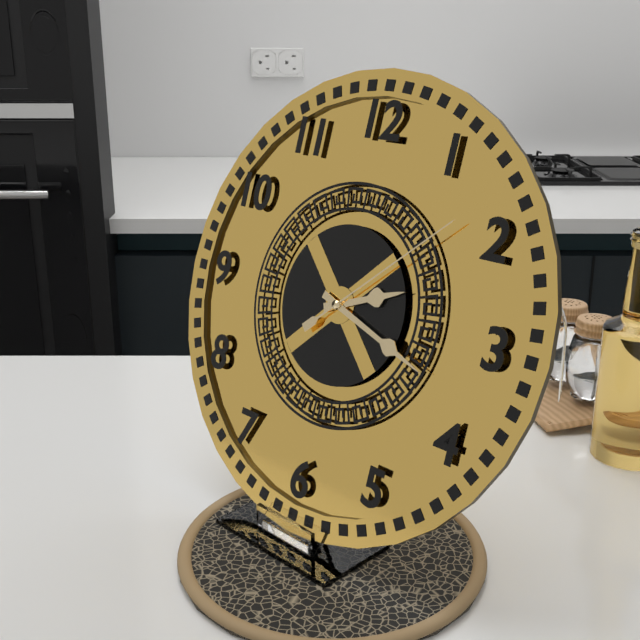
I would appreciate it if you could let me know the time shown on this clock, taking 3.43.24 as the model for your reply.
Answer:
2.18.08
